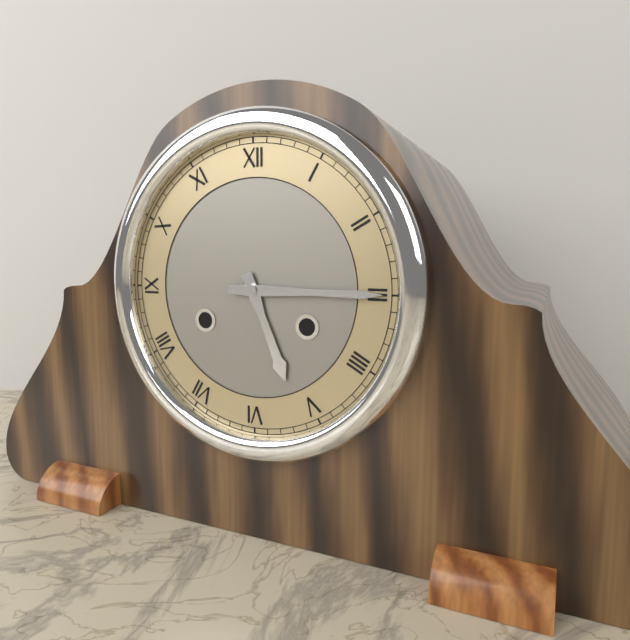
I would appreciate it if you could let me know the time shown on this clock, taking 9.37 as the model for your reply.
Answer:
5.15
